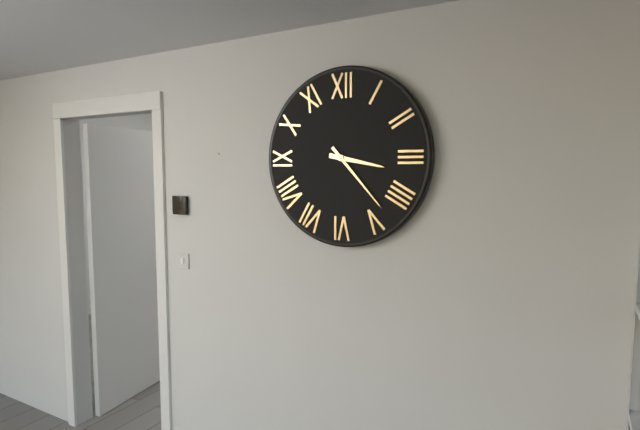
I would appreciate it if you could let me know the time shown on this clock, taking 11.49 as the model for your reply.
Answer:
3.23
